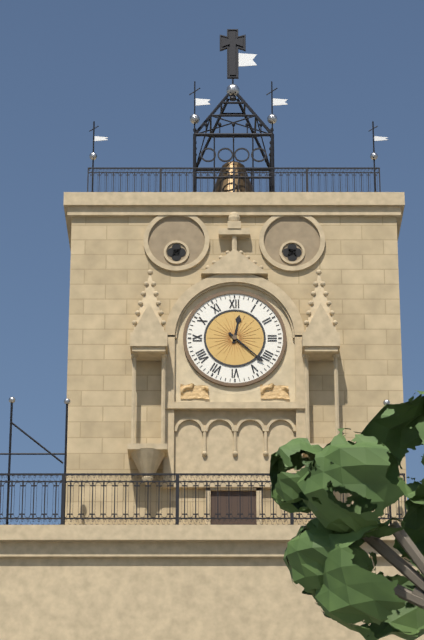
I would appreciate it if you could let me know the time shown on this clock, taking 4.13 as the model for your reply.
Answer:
12.22
